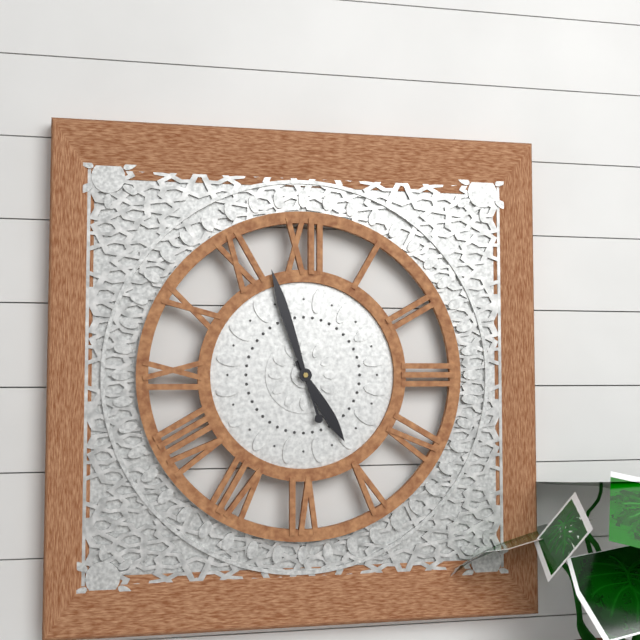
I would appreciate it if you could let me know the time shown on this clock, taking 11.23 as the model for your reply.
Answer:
4.57
